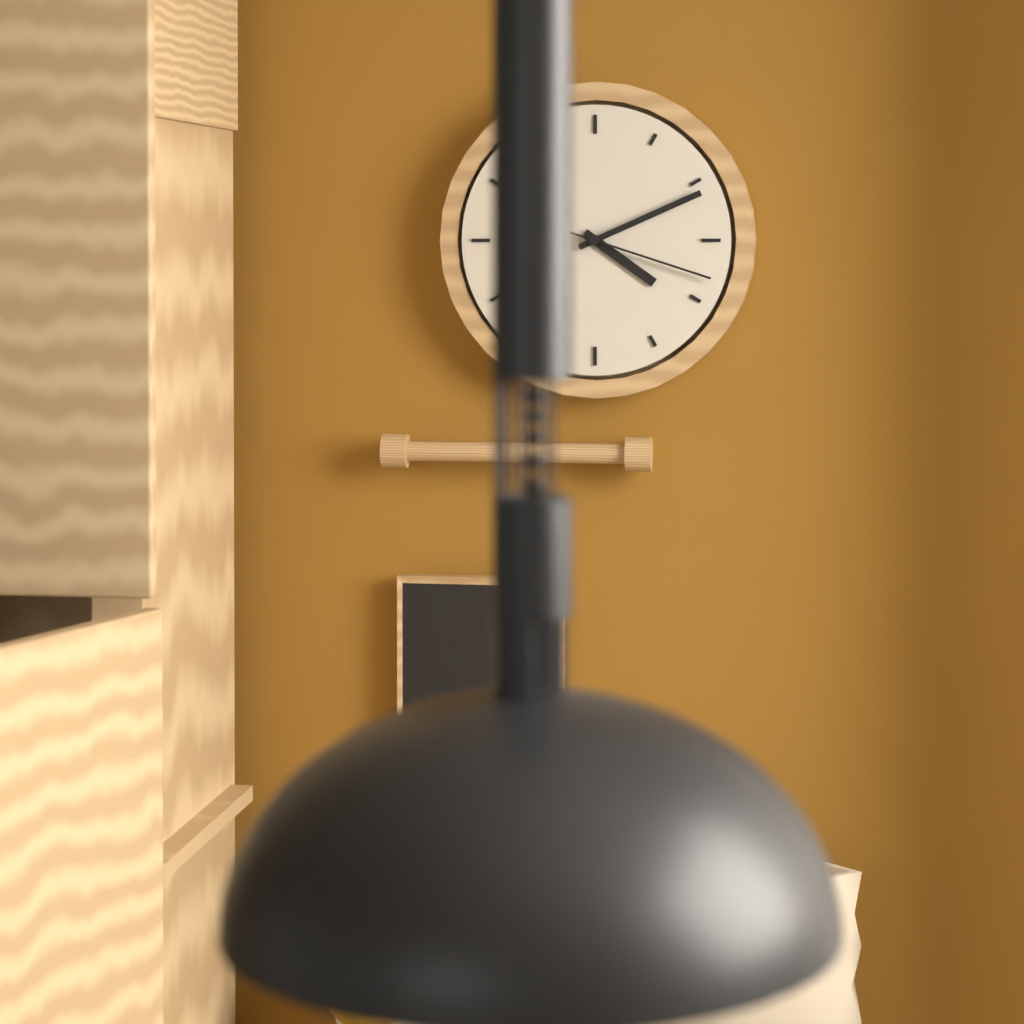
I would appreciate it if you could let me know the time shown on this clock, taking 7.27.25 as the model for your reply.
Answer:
4.11.18
